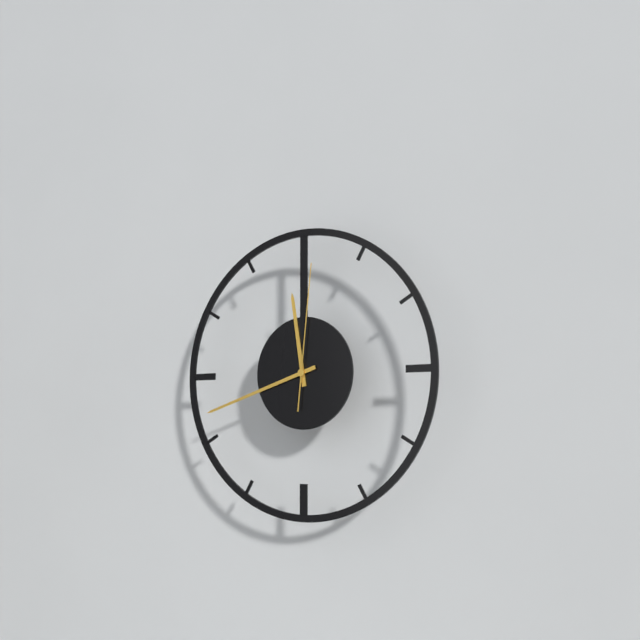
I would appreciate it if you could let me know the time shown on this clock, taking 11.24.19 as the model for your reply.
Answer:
11.42.01
